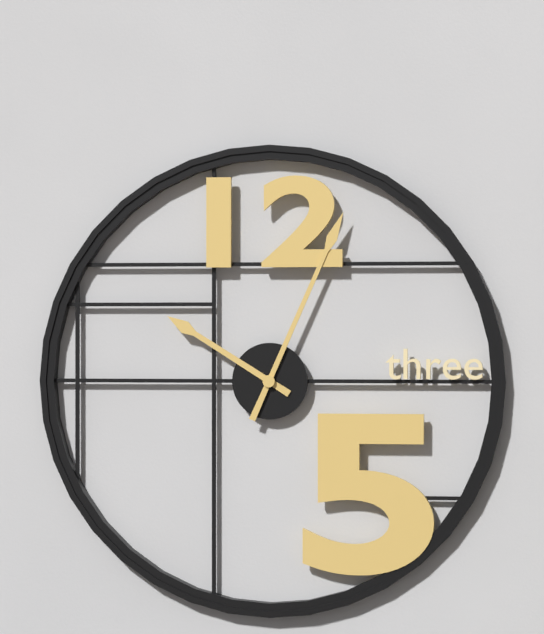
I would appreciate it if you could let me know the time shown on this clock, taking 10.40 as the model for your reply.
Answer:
10.04
